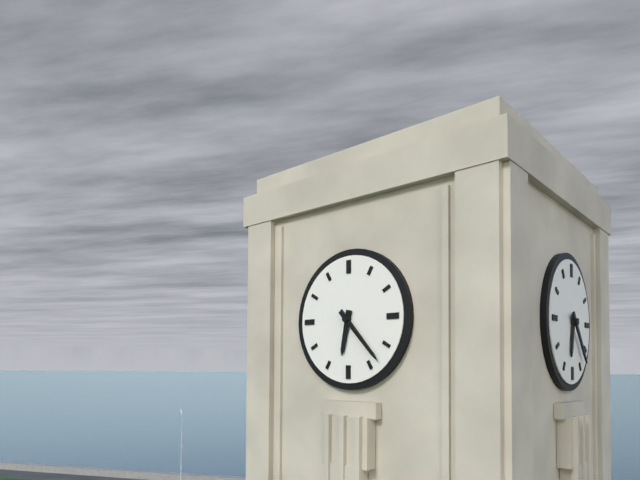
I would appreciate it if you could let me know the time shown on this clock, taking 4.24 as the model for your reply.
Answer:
6.23
